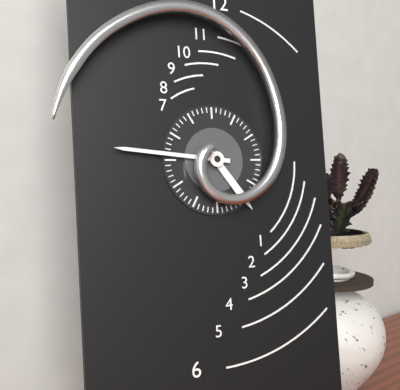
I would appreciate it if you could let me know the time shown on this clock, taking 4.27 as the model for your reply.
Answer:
4.46
